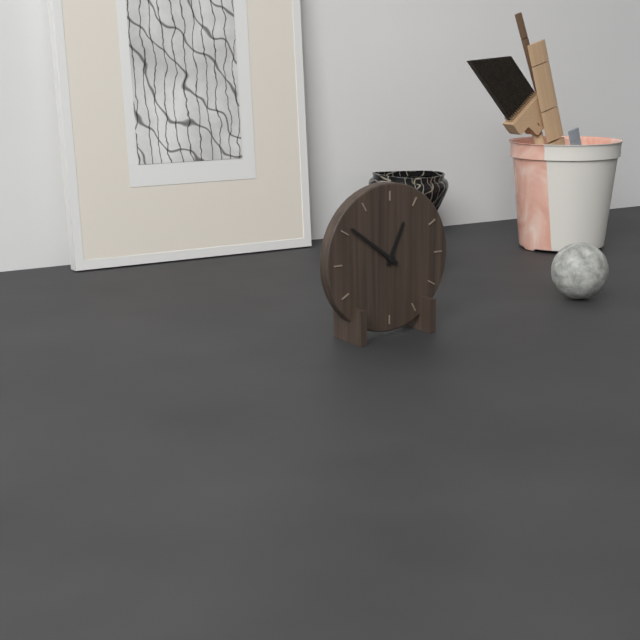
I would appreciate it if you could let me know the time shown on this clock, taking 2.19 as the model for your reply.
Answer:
12.51
